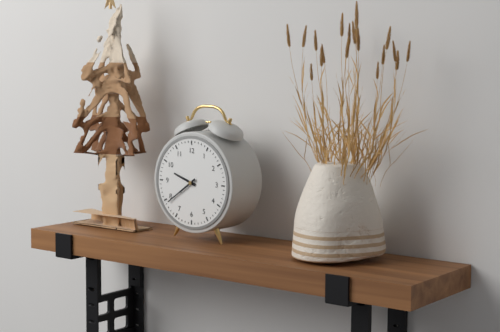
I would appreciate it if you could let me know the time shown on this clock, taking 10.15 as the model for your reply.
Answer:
9.39
